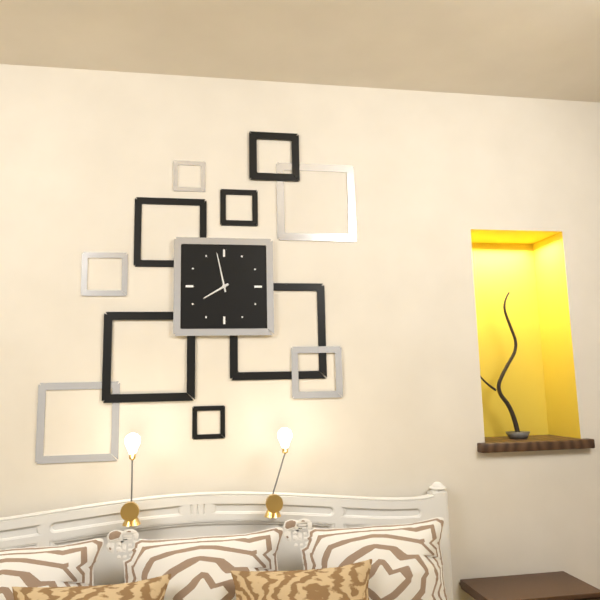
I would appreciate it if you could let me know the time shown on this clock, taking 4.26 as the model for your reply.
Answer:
7.58
